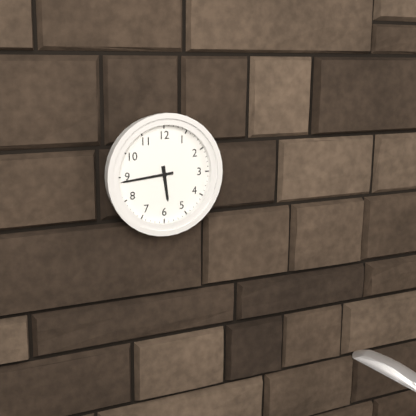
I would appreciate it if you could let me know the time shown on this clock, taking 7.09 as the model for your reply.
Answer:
5.44
